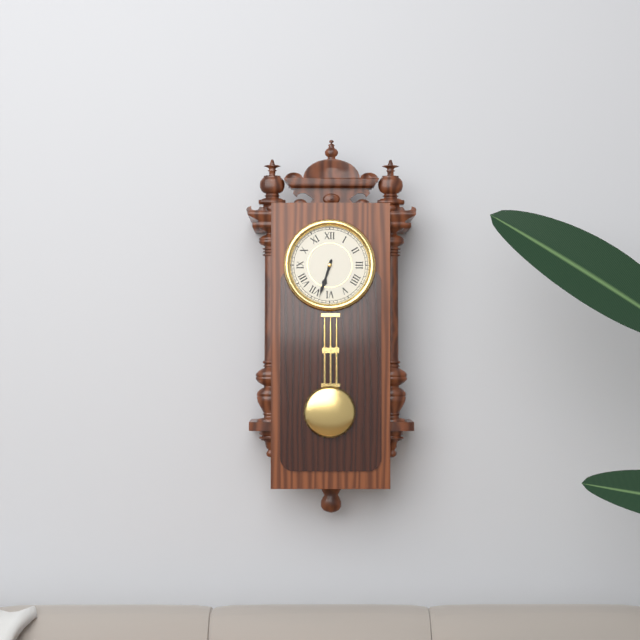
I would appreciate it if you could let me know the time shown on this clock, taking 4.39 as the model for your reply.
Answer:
6.33
